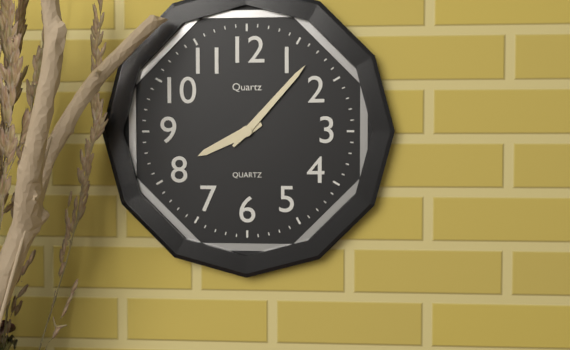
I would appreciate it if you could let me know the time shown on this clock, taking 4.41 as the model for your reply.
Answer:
8.07
